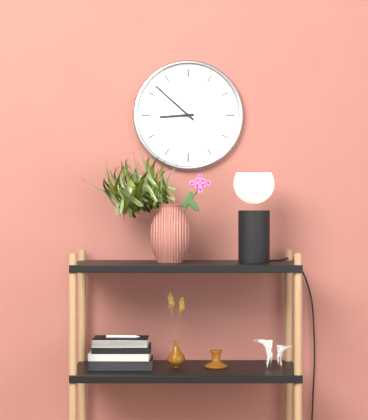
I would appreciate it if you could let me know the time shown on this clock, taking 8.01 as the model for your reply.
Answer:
8.52
